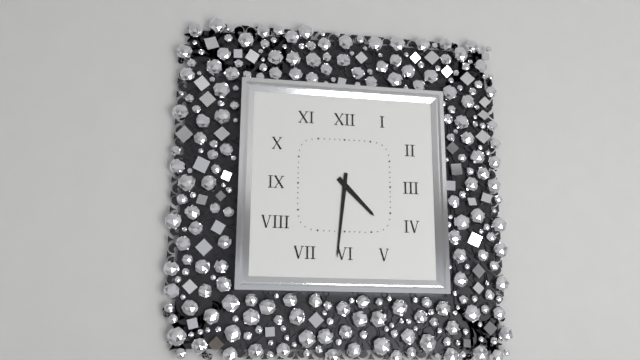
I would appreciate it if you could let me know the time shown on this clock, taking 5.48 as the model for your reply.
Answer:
4.31
